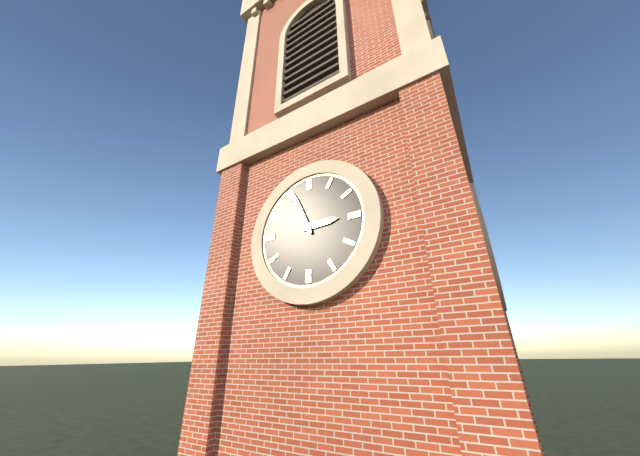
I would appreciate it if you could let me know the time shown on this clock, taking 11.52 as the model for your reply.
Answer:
2.56
